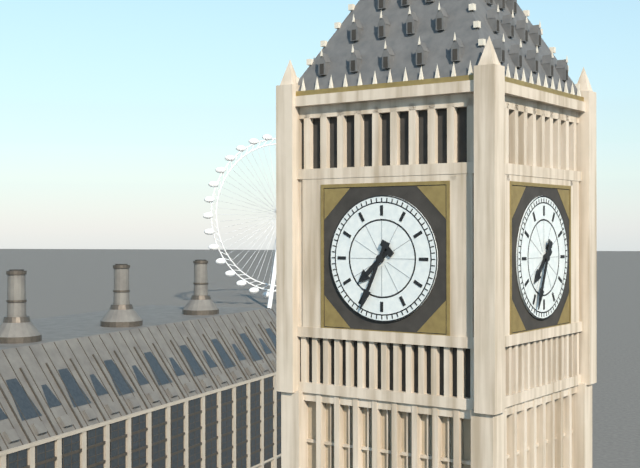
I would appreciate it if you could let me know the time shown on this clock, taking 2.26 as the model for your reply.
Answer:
7.34
